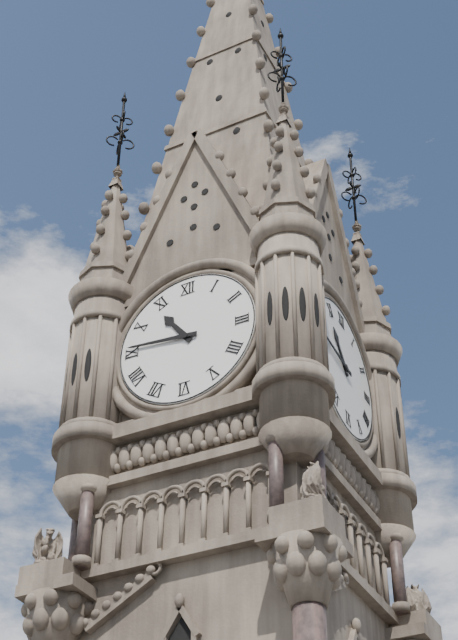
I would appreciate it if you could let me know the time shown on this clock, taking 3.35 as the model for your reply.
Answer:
10.46
